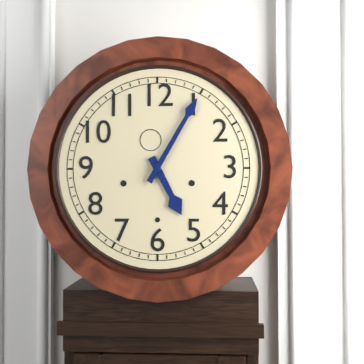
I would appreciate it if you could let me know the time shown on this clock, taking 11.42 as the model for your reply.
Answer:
5.05
